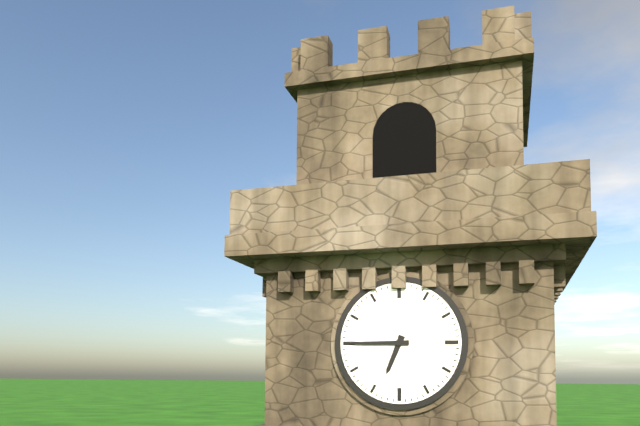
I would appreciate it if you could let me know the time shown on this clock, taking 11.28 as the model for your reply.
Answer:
6.45
